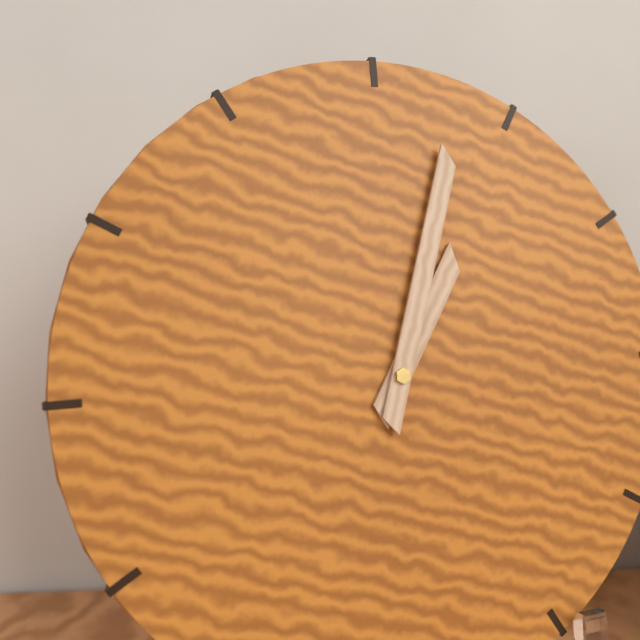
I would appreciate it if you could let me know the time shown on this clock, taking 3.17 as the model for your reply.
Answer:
1.03
